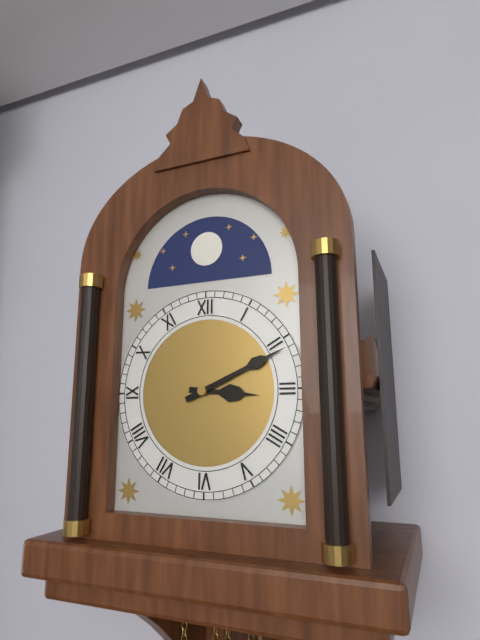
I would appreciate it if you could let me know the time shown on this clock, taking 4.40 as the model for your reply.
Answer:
3.11
